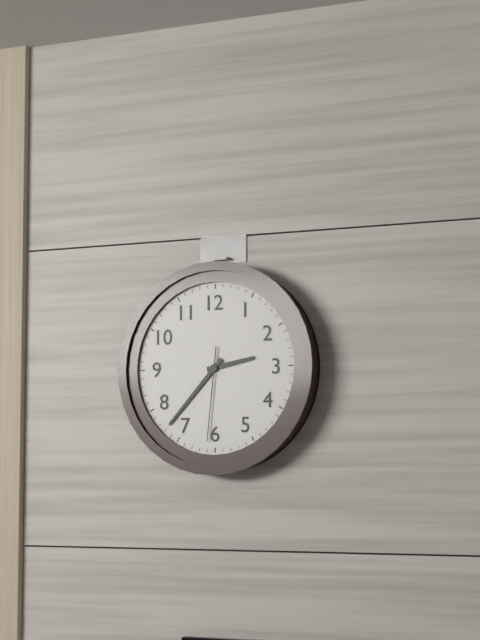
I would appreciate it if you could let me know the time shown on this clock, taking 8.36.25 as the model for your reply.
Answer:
2.37.31
